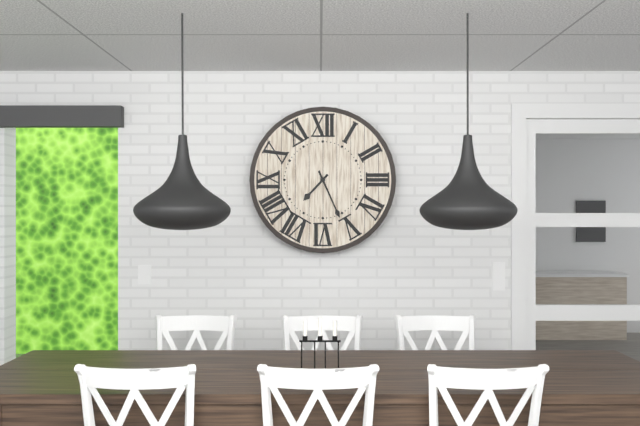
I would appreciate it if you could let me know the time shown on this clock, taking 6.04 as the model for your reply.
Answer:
7.26
